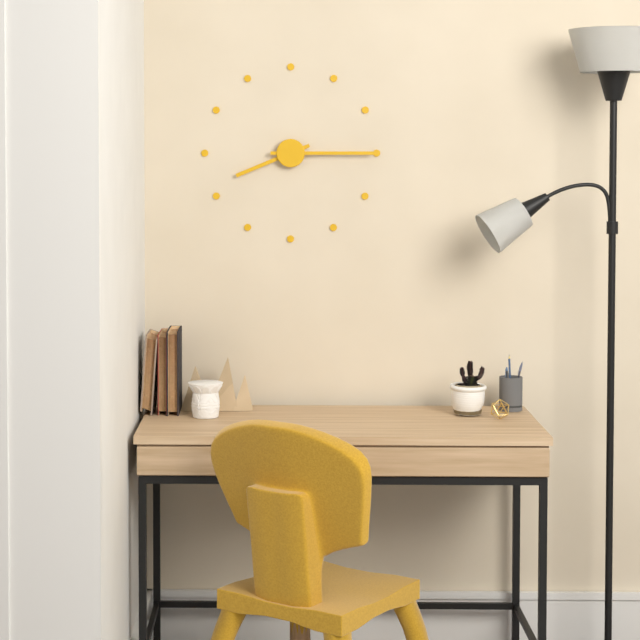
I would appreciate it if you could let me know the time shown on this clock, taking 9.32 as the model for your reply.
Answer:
8.15
